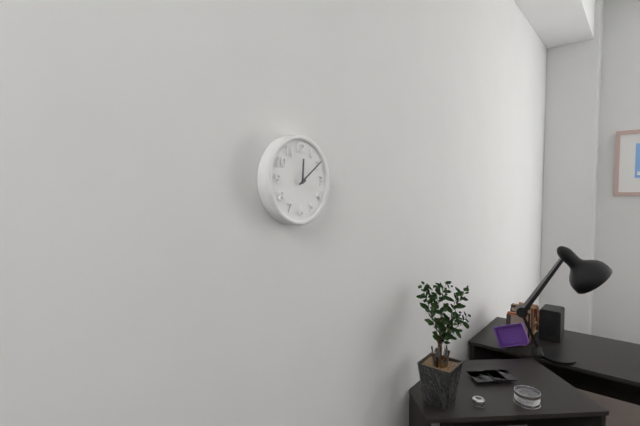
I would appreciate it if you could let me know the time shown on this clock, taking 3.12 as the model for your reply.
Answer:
12.09
